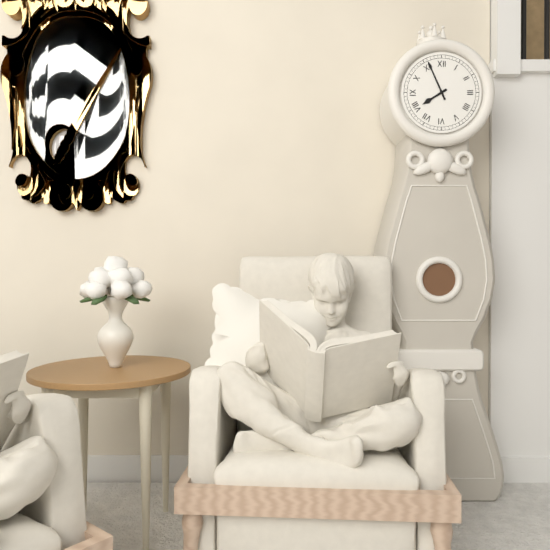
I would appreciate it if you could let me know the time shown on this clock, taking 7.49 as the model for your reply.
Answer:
7.56
